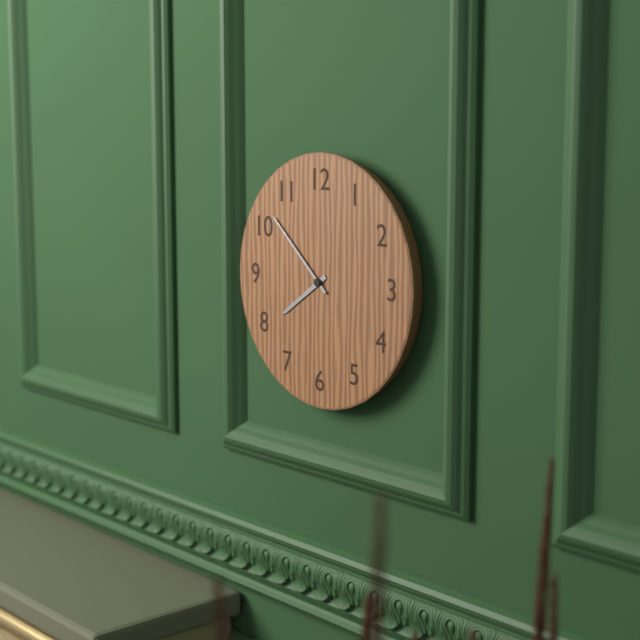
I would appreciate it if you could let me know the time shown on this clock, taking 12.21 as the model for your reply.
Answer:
7.52
